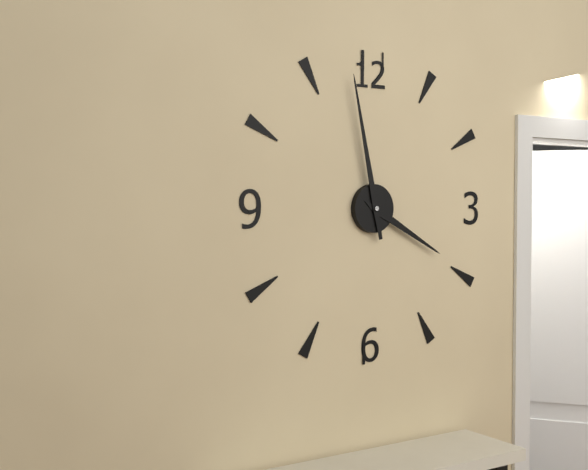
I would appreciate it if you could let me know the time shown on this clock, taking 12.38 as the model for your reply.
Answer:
3.58
